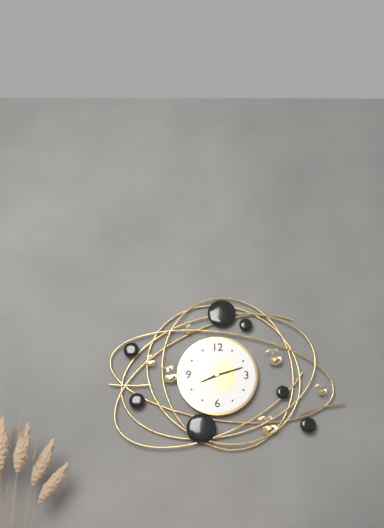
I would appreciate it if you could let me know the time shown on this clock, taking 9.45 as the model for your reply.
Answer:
8.12
